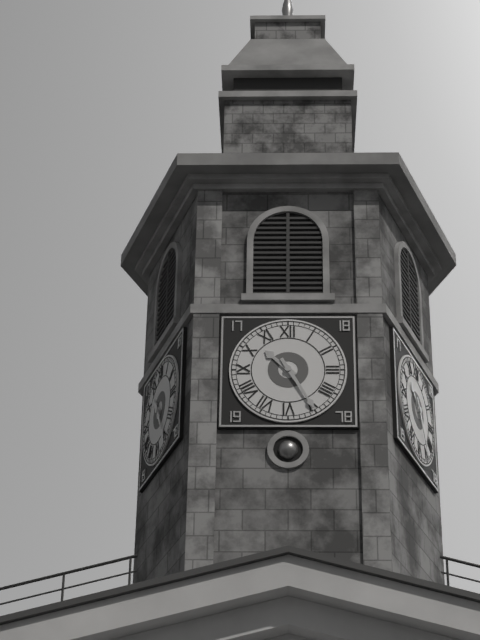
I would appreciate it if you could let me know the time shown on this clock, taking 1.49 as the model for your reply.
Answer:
10.25
